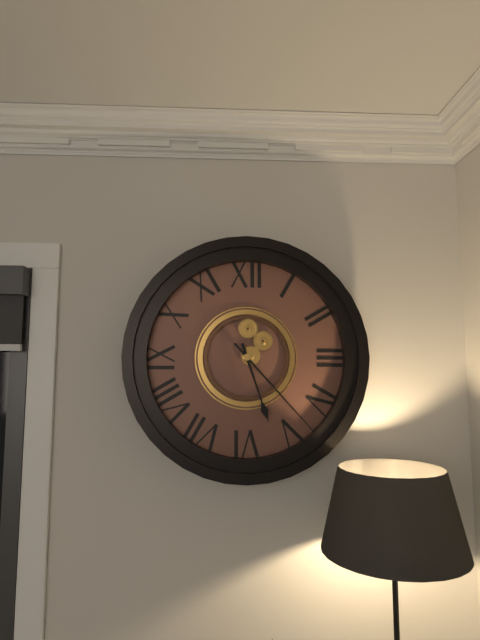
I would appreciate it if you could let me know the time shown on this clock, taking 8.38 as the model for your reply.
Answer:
5.23
